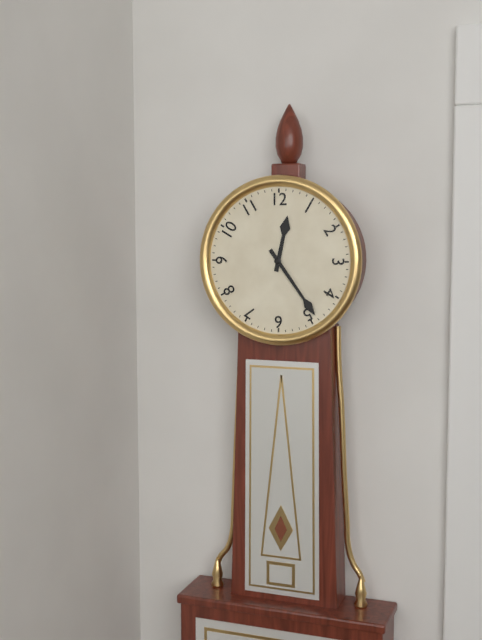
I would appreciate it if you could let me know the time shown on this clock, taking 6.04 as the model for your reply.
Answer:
12.24
